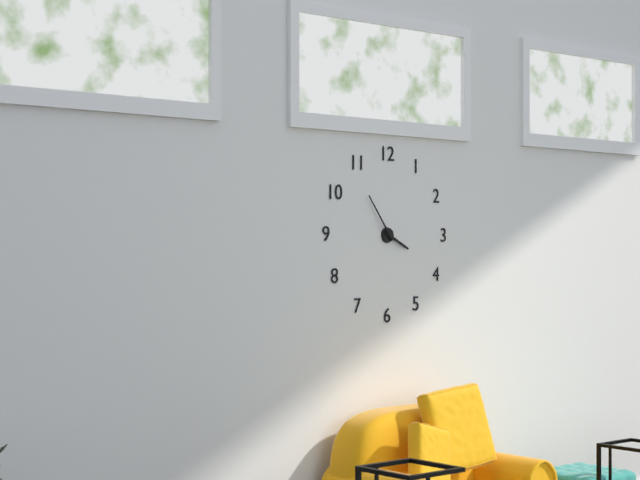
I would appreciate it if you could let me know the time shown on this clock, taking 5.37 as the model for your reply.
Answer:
3.54
